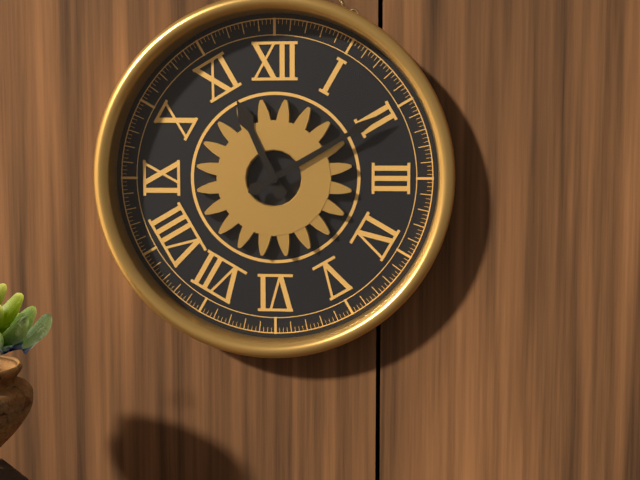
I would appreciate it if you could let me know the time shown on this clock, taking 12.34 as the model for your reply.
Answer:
11.10
